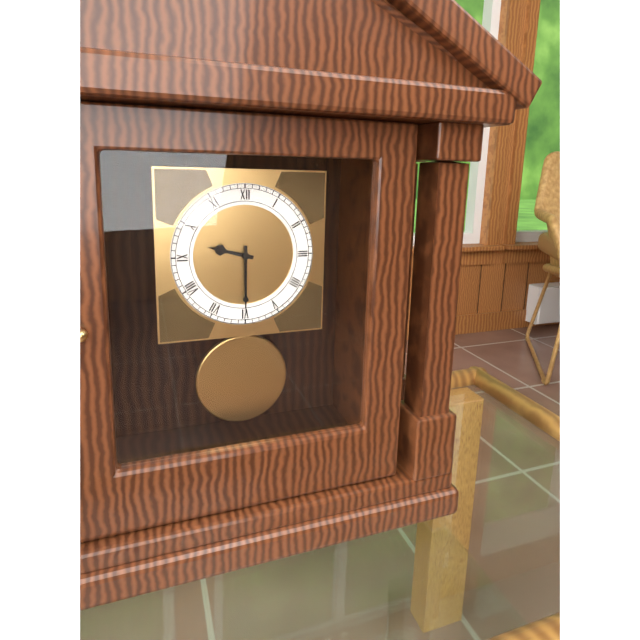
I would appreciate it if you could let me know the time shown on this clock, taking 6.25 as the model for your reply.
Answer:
9.30
